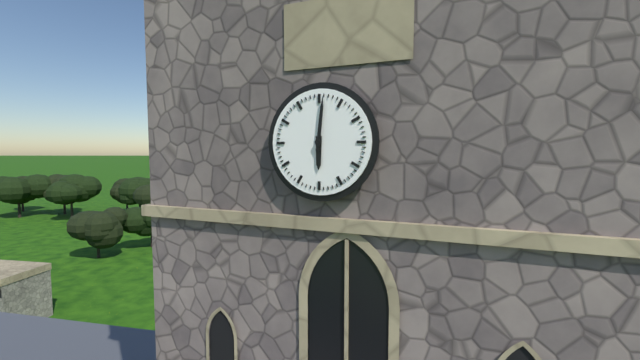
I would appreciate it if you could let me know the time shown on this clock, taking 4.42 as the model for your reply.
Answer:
6.01
